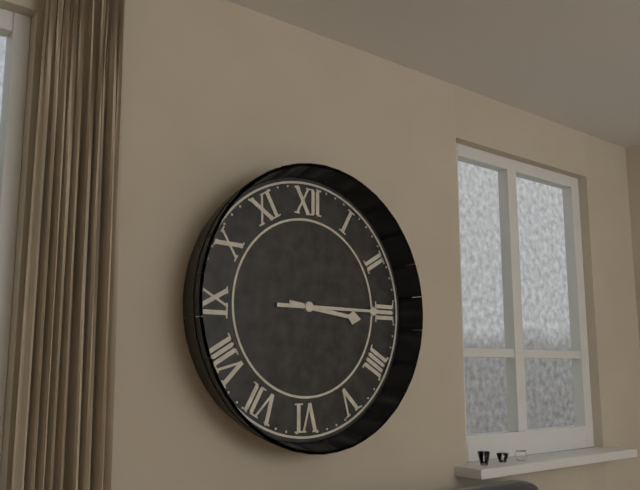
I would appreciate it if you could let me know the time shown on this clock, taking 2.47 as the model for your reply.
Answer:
3.15
